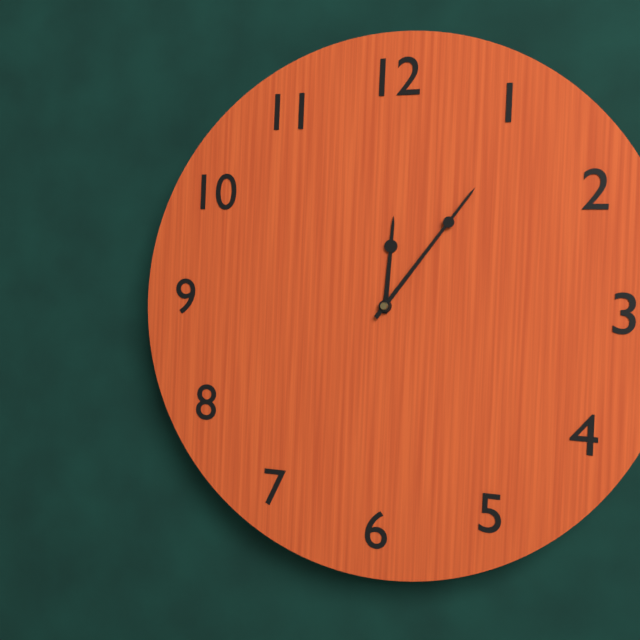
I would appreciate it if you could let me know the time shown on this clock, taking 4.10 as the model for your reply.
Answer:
12.06
